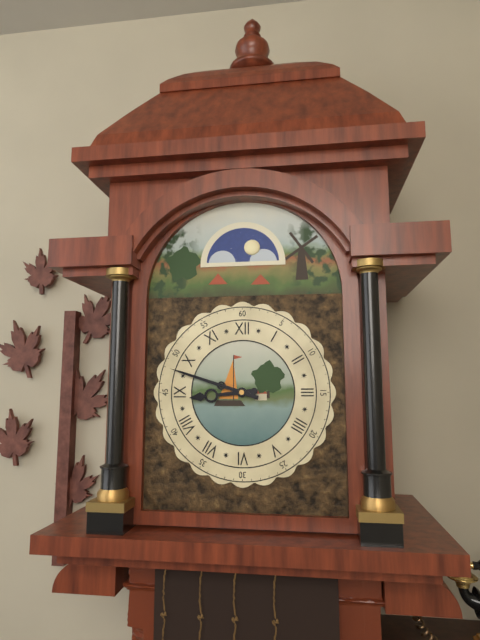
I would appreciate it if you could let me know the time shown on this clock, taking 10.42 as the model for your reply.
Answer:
8.48
